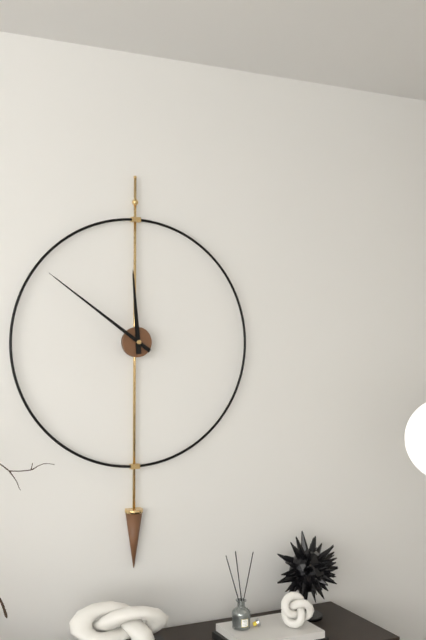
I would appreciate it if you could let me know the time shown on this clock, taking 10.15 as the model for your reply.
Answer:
11.51
